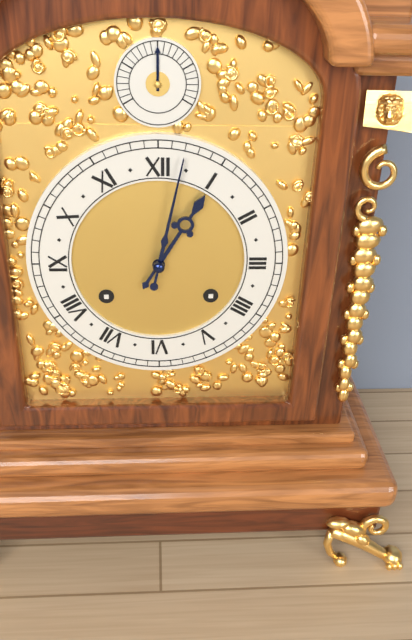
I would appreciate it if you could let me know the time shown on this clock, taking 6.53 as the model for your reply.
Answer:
1.02
